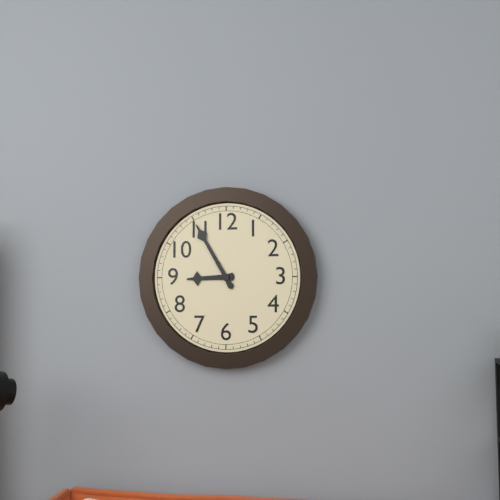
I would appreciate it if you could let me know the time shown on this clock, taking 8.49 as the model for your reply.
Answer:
8.55
